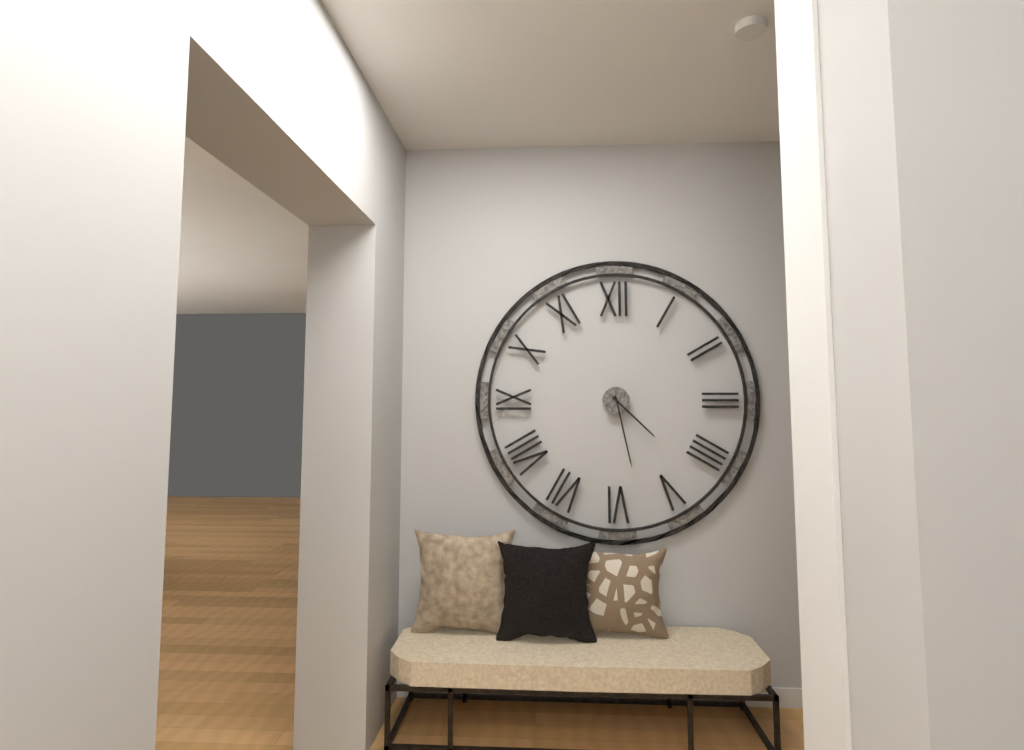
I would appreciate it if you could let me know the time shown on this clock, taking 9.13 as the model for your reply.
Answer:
4.28
